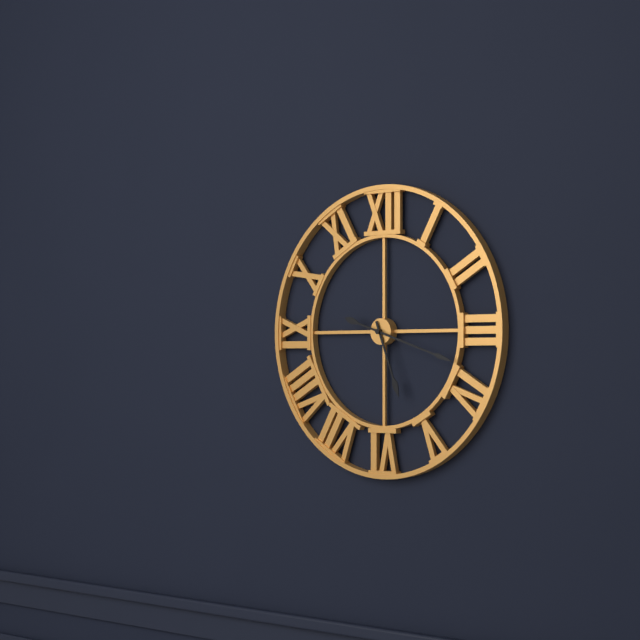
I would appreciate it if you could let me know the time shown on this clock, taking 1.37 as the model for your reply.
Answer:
5.18
